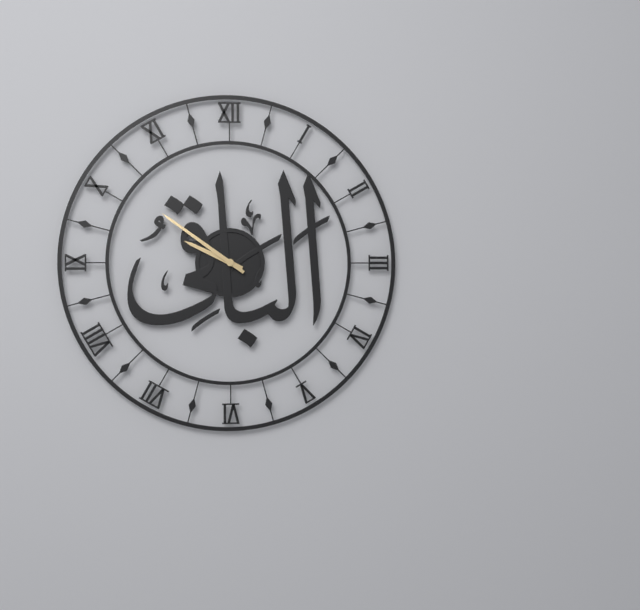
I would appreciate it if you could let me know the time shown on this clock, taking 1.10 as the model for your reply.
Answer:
9.51
